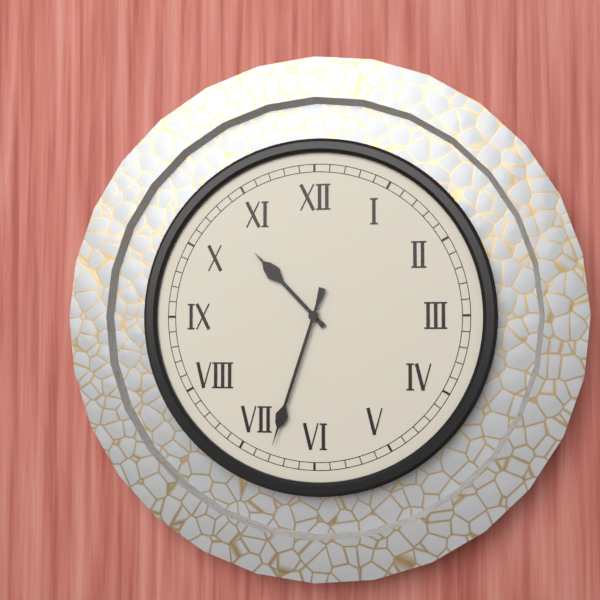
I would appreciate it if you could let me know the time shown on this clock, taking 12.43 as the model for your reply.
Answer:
10.33
